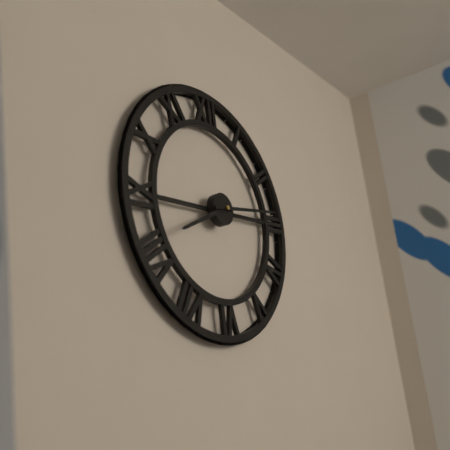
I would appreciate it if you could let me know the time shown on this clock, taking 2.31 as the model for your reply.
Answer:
8.14
